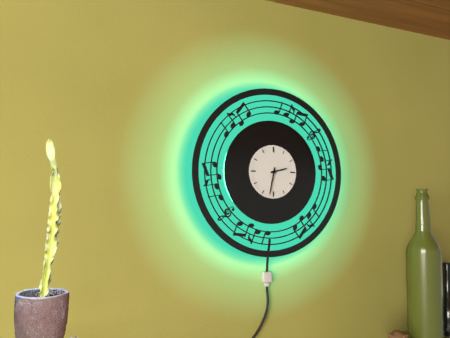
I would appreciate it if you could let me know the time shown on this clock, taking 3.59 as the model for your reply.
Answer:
2.32
